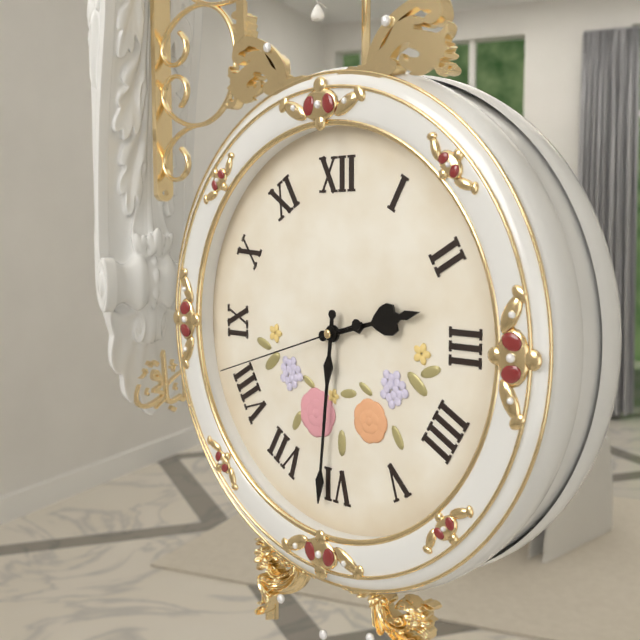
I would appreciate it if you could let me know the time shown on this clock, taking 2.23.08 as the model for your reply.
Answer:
2.31.42
